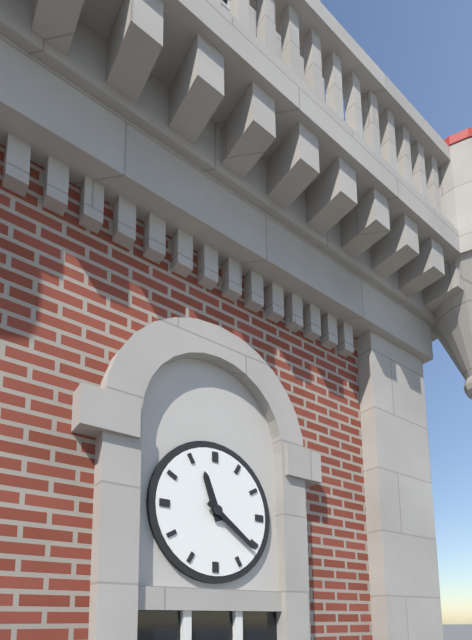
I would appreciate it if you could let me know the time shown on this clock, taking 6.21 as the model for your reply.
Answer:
11.21
